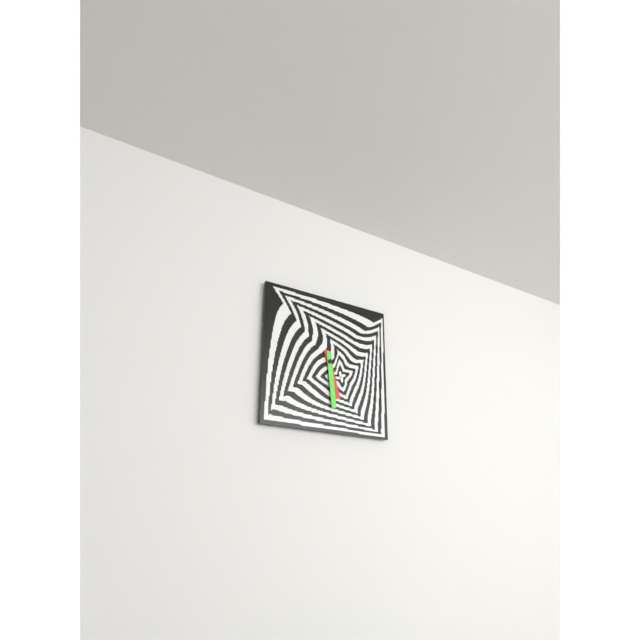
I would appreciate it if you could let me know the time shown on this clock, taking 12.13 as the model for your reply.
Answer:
5.29
